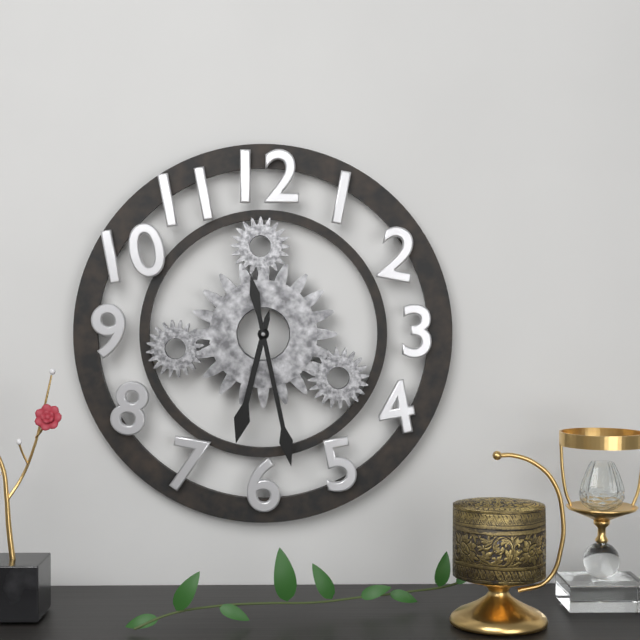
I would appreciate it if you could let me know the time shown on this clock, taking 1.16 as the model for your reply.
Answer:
6.28
